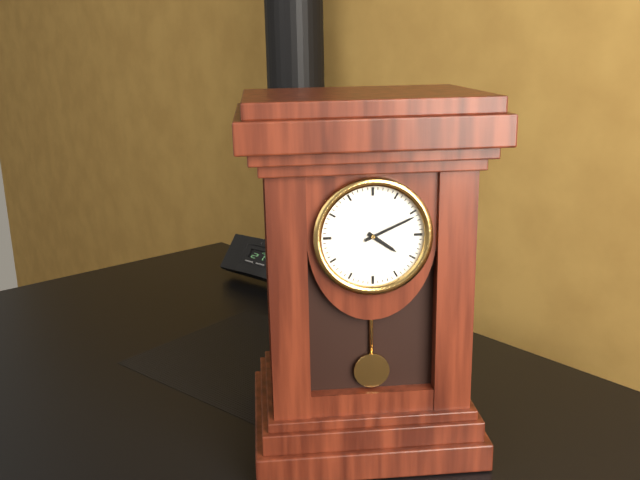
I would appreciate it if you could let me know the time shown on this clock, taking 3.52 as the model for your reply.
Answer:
4.11
